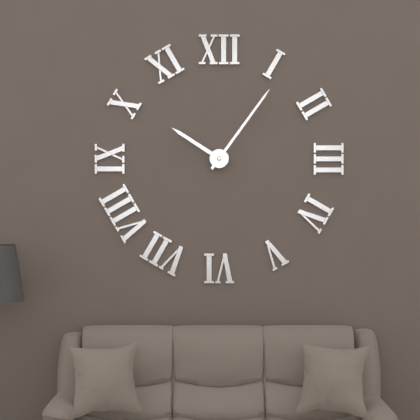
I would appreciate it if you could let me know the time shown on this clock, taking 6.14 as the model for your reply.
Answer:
10.06
